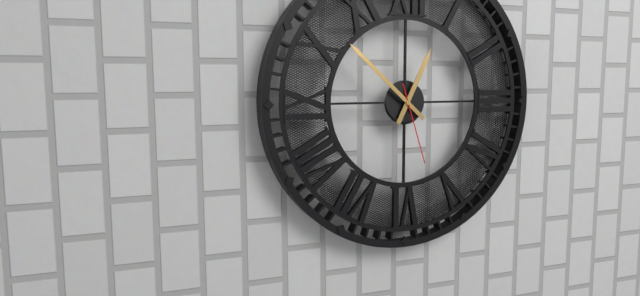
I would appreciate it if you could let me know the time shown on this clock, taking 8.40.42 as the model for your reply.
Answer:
12.52.27
